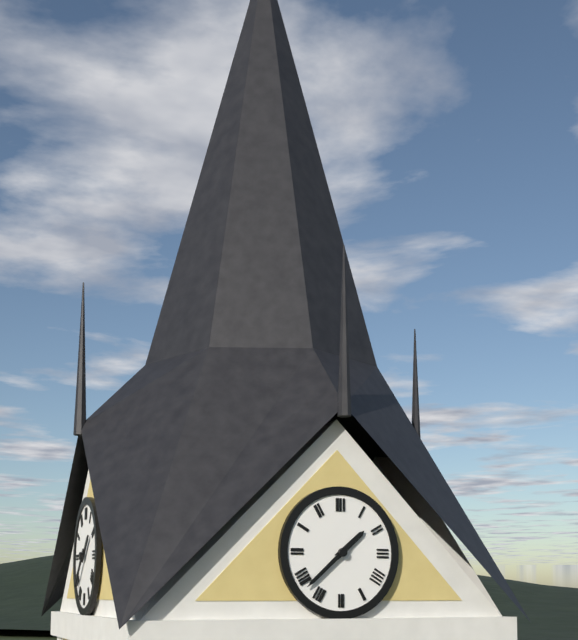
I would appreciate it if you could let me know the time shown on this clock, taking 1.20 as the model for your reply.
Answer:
1.38
